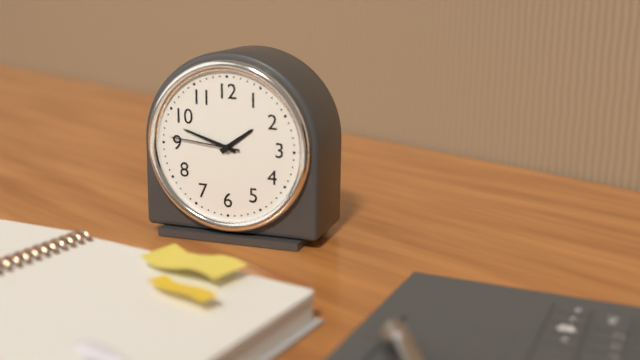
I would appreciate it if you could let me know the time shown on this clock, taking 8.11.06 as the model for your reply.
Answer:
1.48.46
